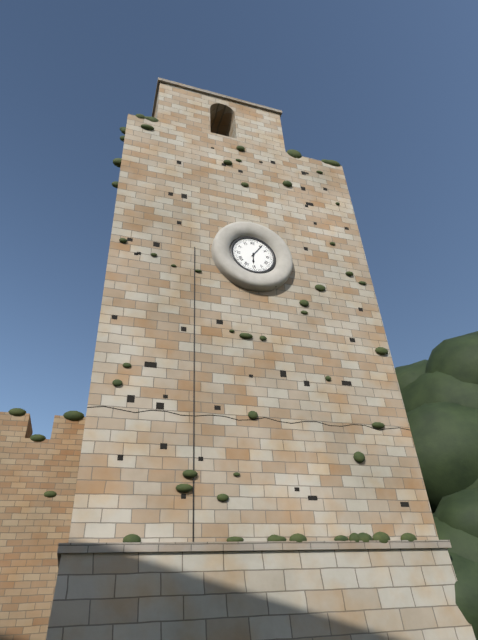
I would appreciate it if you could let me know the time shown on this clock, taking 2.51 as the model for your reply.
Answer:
6.06
